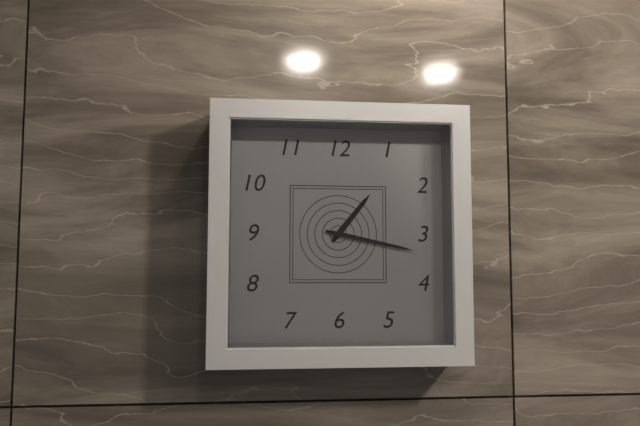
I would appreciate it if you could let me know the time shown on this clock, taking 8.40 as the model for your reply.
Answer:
1.17
